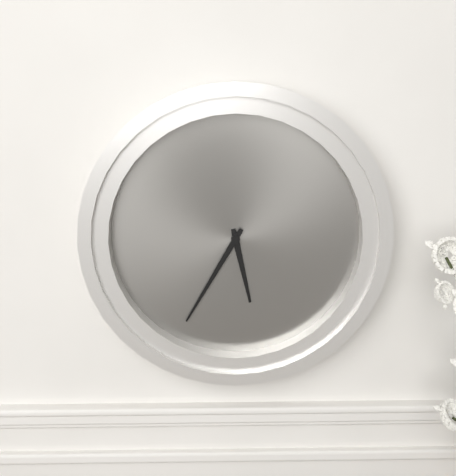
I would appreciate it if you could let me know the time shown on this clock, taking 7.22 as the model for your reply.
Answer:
5.35
